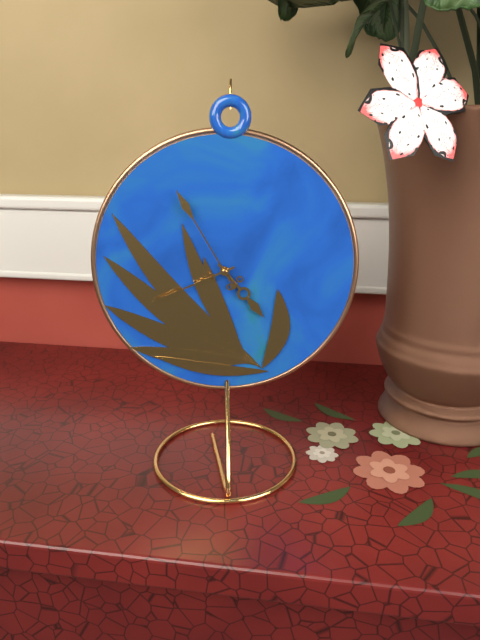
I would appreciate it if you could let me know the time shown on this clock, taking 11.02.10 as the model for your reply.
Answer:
4.41.55
